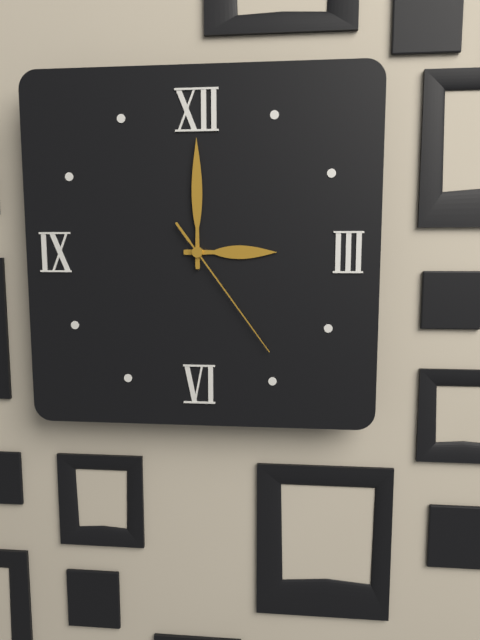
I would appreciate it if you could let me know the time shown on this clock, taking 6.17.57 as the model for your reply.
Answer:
3.00.24
